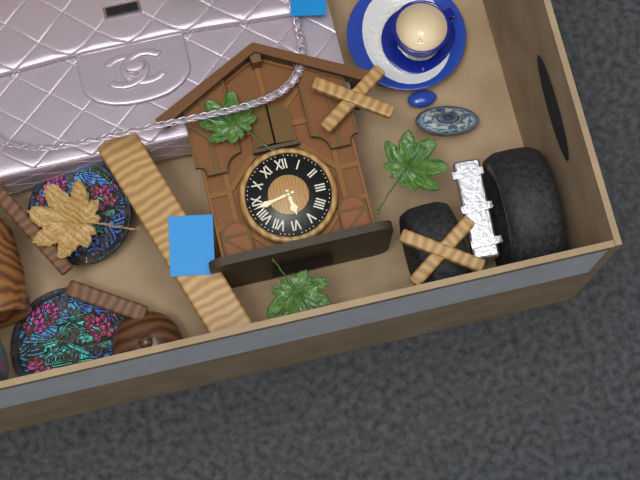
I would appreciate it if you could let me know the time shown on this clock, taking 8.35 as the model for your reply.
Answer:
5.43
